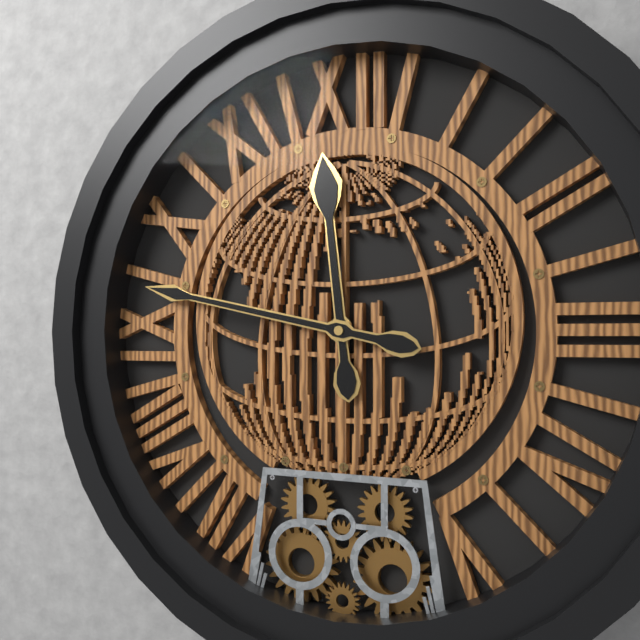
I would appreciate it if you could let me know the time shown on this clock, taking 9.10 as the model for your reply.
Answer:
11.47
